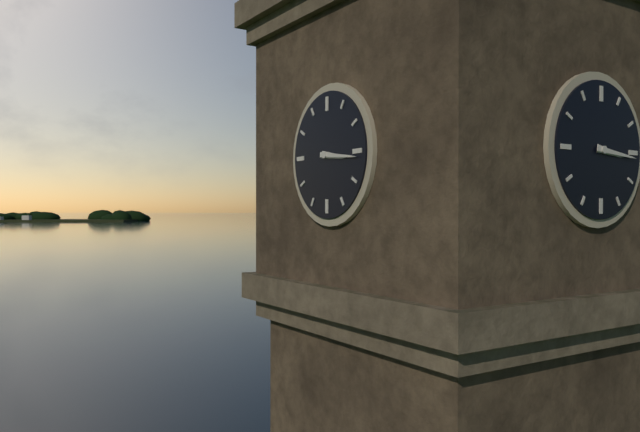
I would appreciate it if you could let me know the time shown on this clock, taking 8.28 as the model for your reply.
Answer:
3.16
